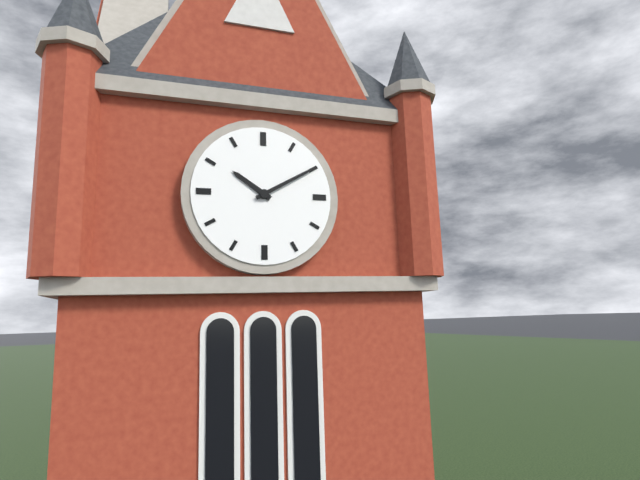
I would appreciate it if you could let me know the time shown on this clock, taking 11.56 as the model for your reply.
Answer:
10.10
